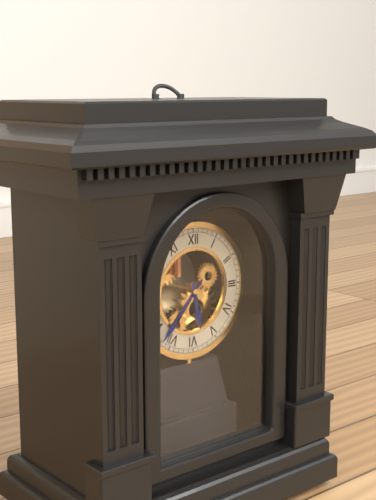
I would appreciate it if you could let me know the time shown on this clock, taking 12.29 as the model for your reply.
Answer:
5.37
